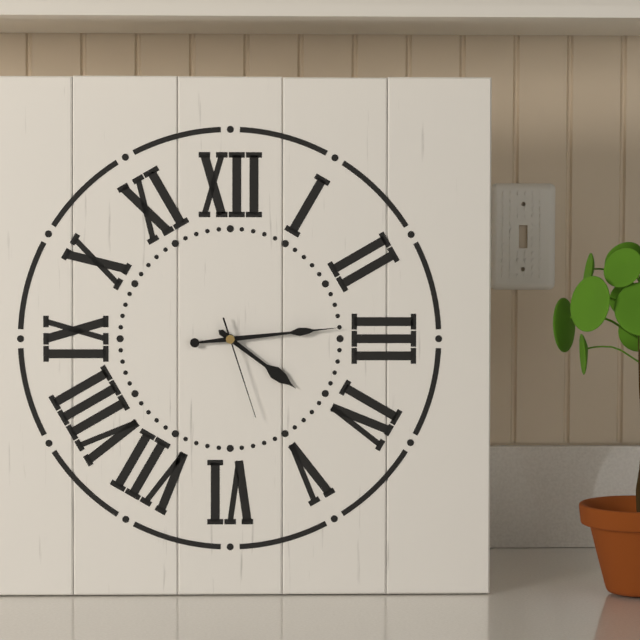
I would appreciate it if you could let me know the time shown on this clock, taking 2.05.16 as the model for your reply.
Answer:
4.14.27
